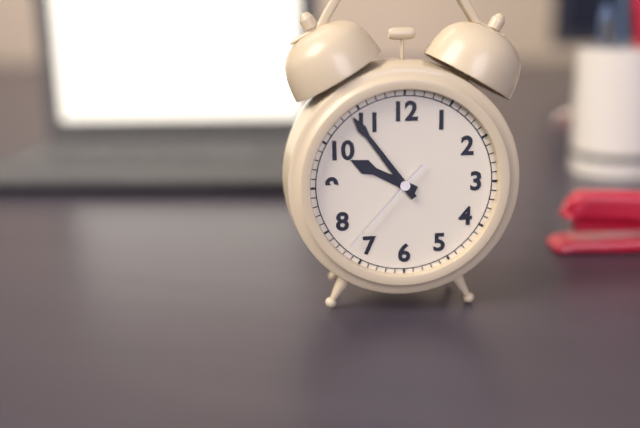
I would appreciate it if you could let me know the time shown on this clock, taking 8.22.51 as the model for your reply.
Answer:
9.54.37
